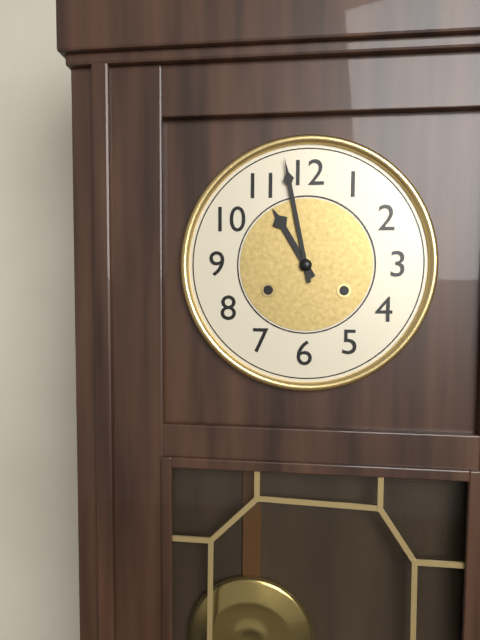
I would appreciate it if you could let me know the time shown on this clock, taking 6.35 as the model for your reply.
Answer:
10.58
